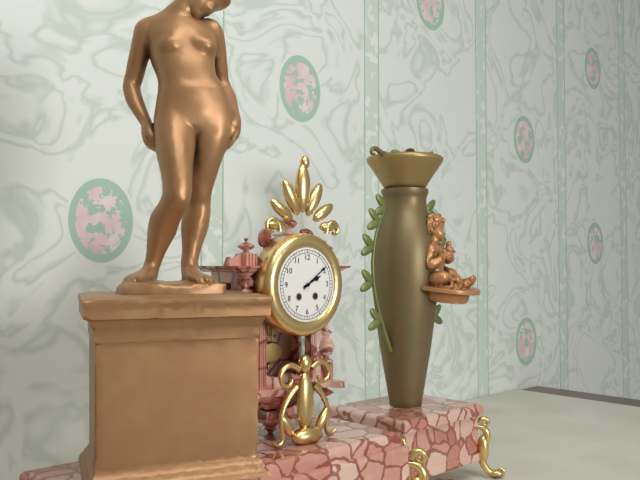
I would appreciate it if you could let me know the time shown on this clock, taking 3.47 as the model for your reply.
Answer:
2.09
